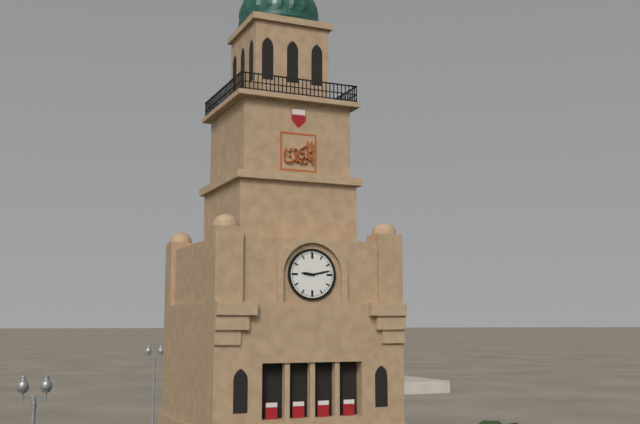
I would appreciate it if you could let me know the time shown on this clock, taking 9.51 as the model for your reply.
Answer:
9.13
